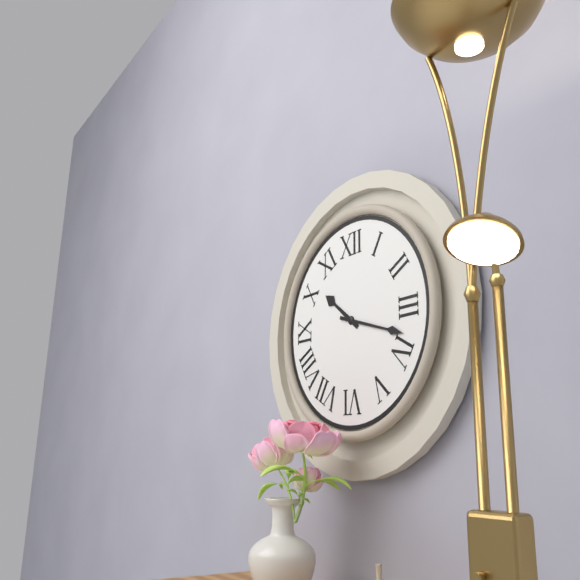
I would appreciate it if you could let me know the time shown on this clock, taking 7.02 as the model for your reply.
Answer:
10.18
